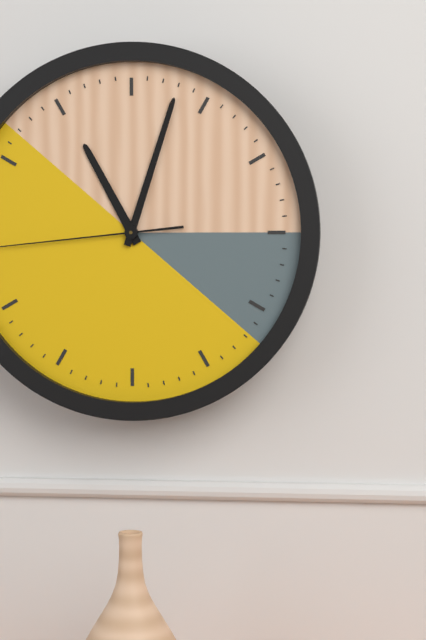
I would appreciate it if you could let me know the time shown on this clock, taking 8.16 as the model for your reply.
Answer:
11.03
